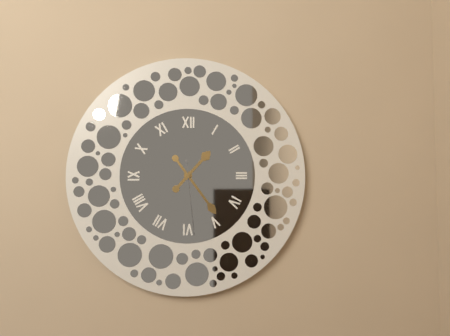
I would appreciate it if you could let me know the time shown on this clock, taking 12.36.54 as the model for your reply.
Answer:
1.24.29
